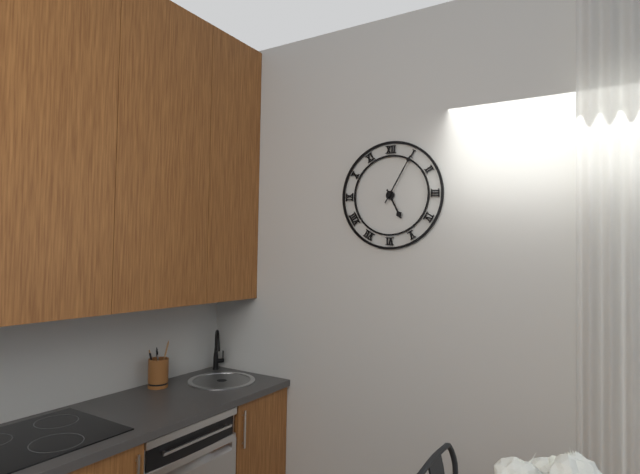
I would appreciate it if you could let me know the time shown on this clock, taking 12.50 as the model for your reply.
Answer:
5.05
